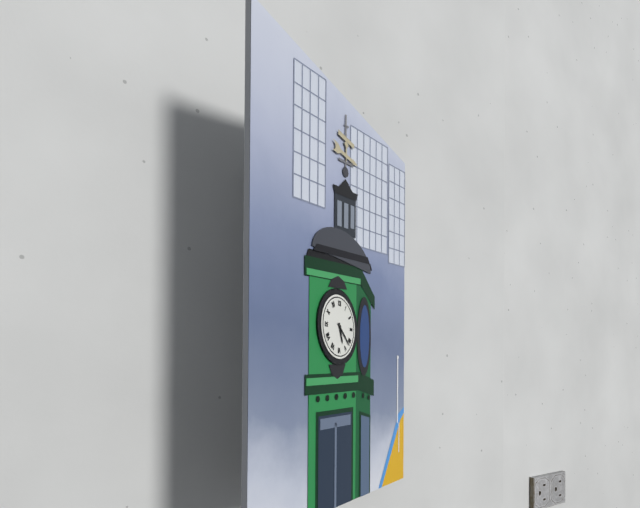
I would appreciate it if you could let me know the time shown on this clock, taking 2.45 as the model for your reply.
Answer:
5.22
